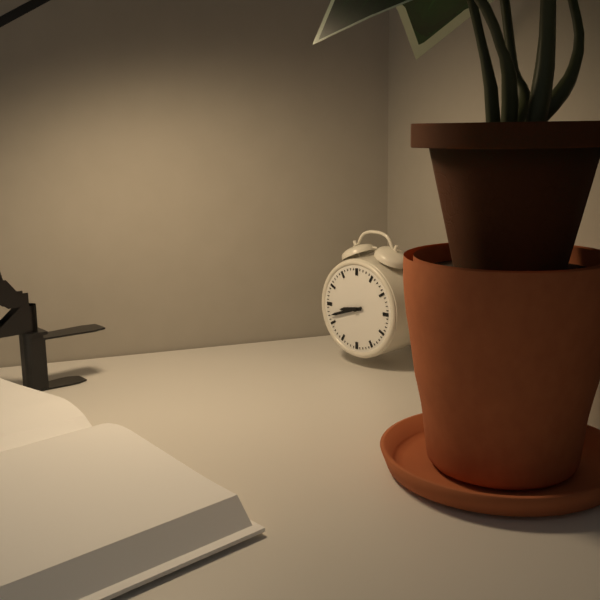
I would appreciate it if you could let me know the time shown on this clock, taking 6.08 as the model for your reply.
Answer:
8.42
